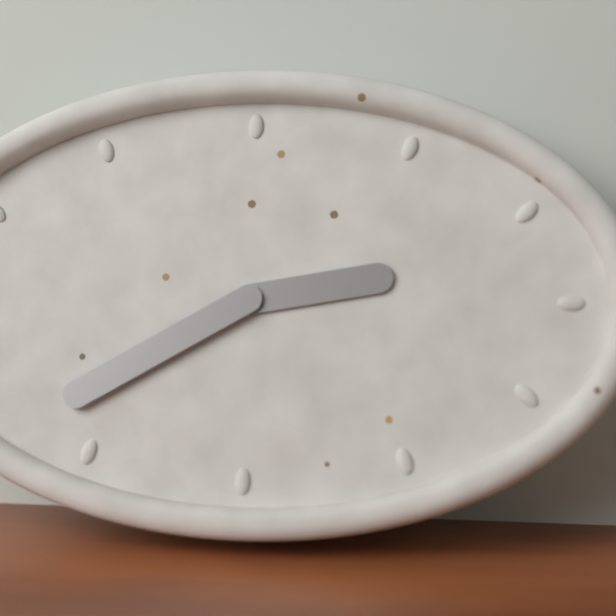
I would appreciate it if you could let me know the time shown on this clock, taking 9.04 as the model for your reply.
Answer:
2.40
